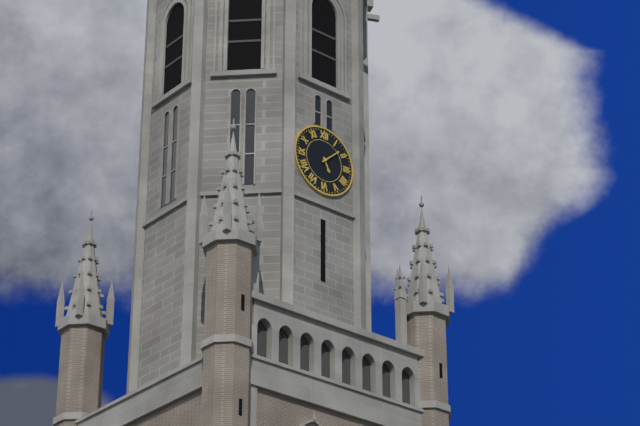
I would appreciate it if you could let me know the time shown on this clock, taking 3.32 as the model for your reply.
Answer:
5.08
